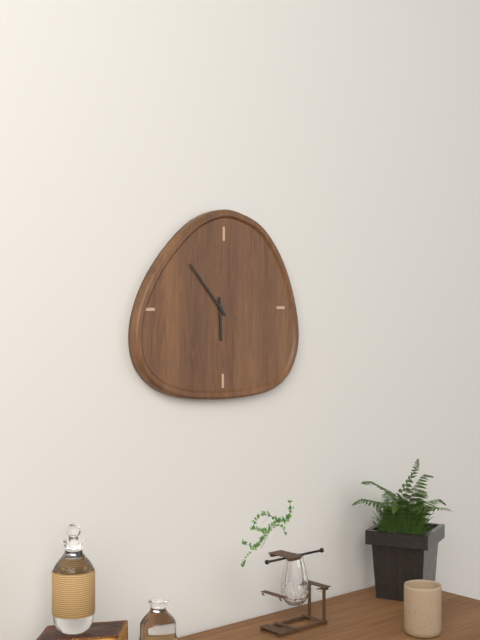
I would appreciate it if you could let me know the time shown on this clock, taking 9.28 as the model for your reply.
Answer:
5.53
